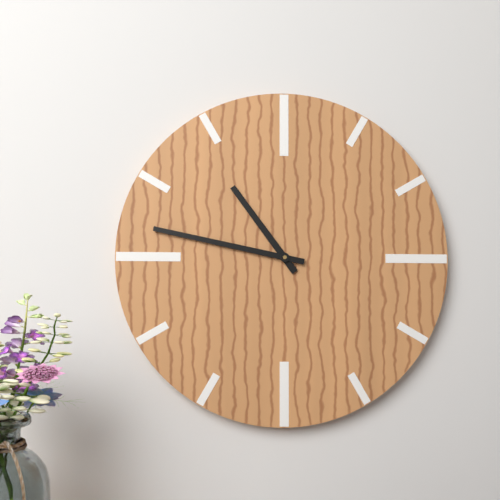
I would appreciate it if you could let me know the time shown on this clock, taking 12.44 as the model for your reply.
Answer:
10.47
